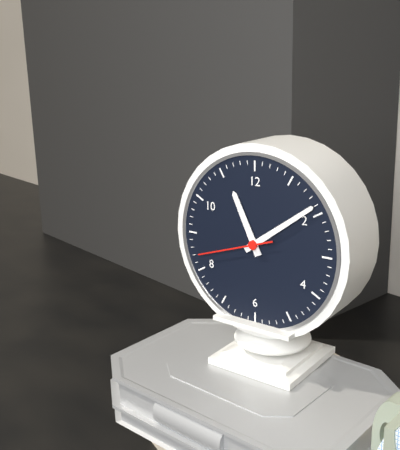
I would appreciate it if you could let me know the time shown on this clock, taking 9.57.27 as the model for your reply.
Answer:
11.09.42
